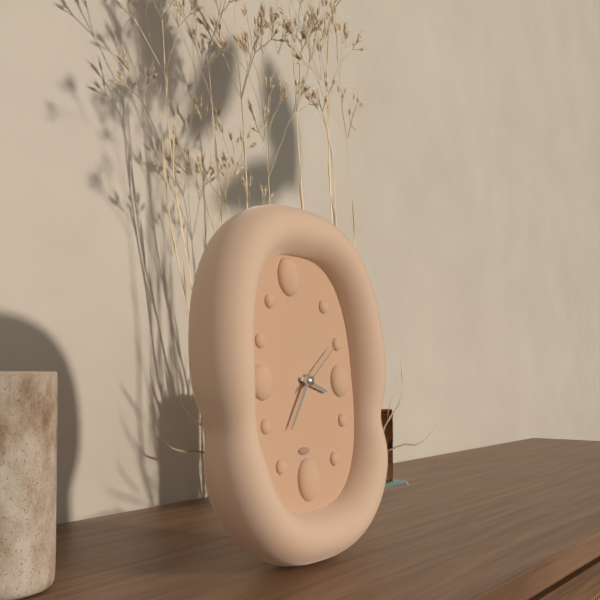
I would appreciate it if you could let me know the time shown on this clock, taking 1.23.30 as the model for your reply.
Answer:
3.36.09
